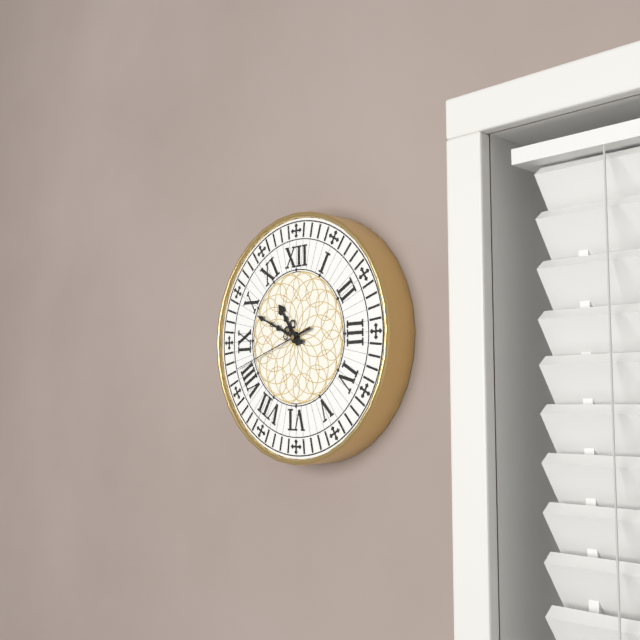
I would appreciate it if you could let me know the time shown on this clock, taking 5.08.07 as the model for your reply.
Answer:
10.49.42
